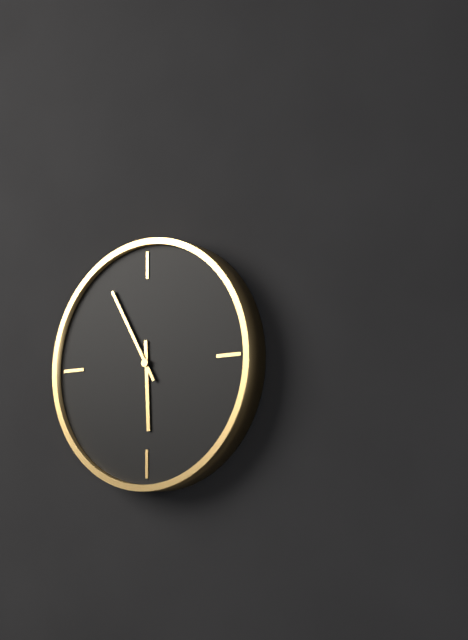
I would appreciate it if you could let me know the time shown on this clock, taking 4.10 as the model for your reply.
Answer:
5.55
